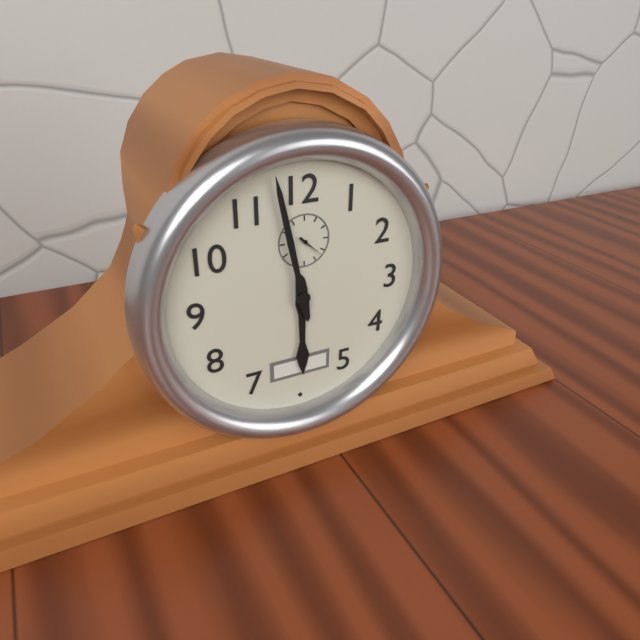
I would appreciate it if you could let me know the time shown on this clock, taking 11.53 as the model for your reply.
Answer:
5.58
